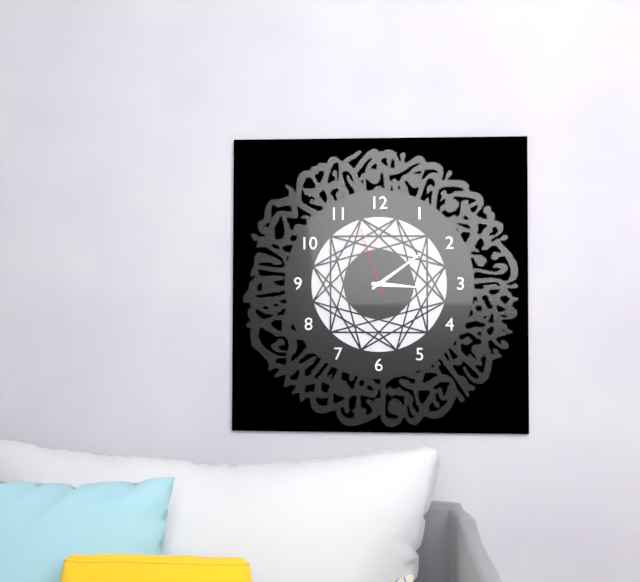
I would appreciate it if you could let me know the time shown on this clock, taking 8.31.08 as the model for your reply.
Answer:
3.09.57
